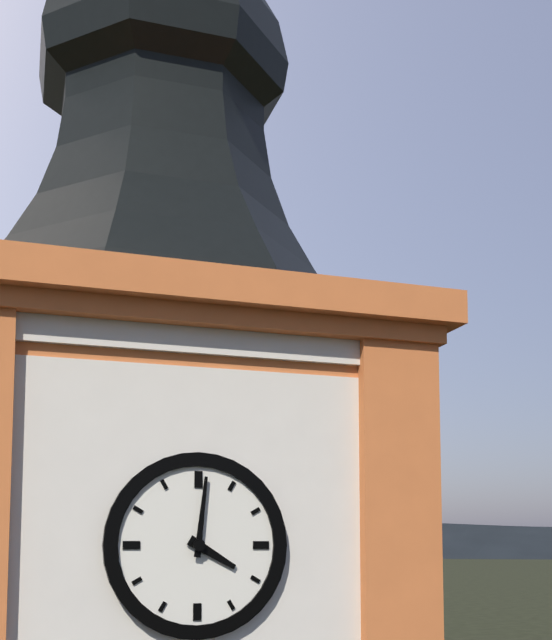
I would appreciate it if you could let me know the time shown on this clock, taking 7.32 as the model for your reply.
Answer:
4.01
